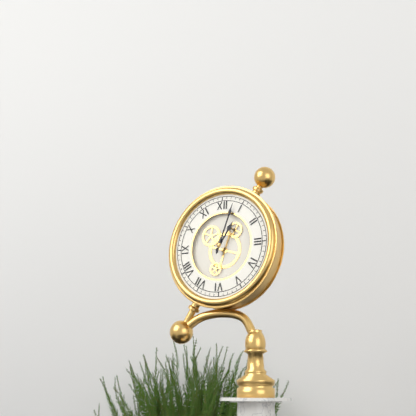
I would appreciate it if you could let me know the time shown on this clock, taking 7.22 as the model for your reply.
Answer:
1.03
